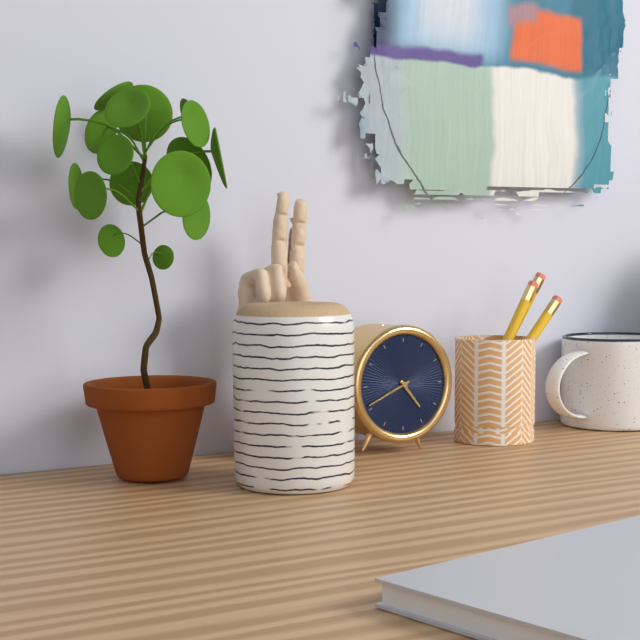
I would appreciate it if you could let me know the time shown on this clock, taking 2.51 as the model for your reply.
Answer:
4.41
